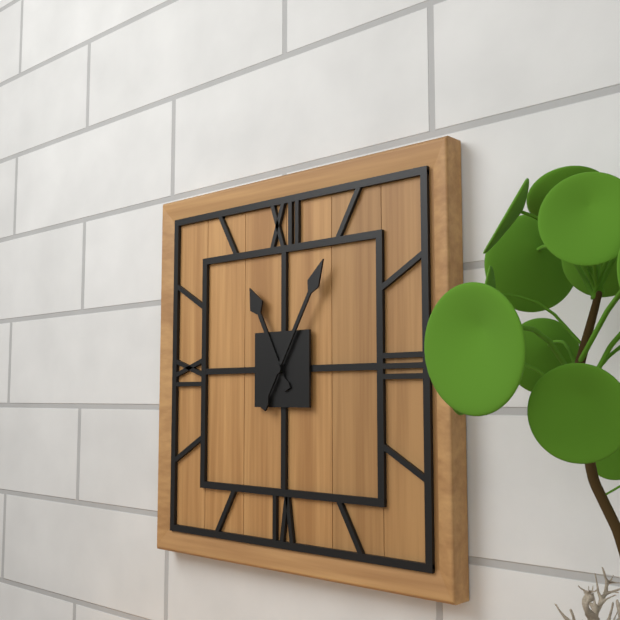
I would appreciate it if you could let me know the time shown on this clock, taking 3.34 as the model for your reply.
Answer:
11.05
